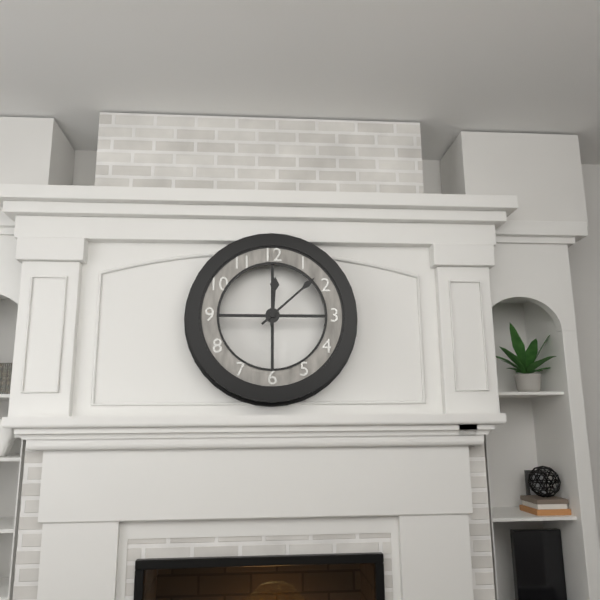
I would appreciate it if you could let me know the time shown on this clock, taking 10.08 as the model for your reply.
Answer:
12.08
